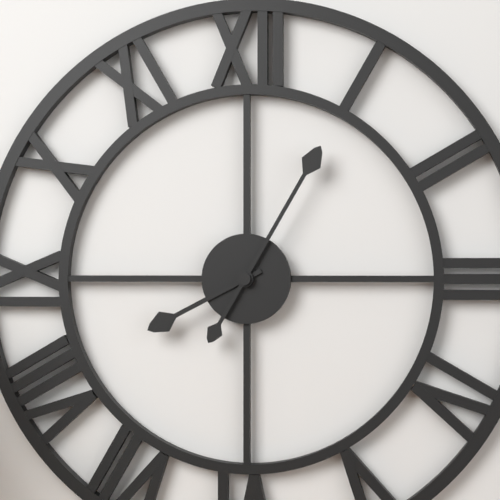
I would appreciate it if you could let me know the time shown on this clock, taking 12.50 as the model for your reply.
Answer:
8.05
